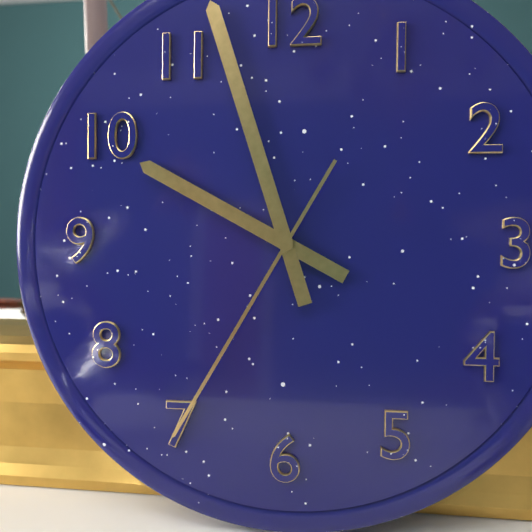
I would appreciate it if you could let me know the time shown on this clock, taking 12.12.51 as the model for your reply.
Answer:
9.57.35
